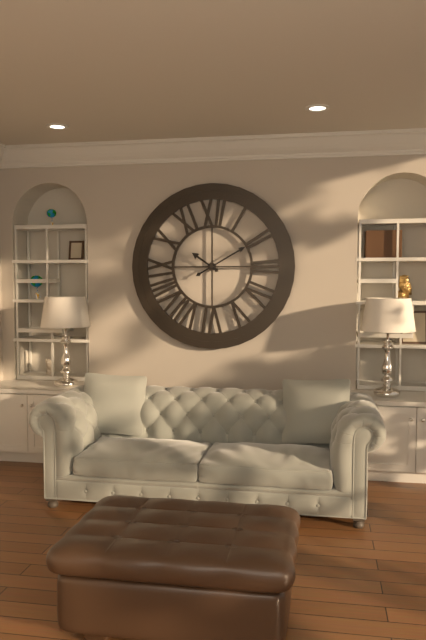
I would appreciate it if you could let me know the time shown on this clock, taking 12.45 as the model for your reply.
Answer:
10.10
